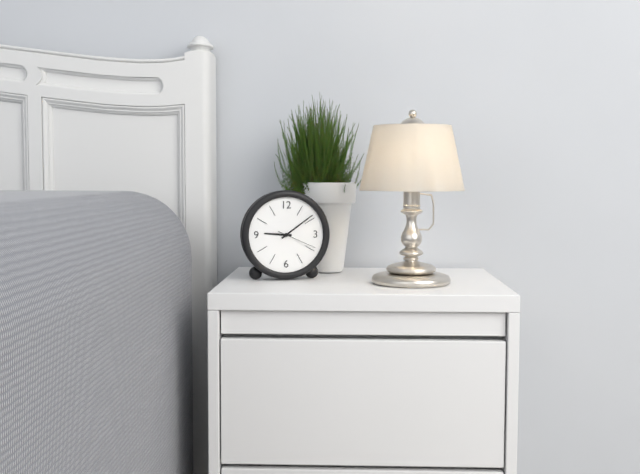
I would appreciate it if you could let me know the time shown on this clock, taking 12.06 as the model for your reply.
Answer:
9.09
